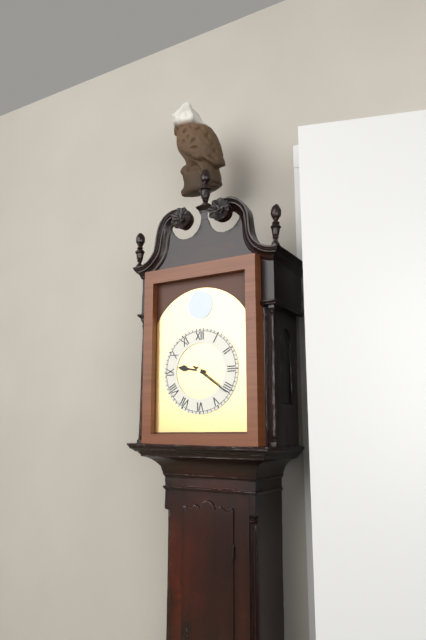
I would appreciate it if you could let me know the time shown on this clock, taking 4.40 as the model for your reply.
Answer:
9.21
